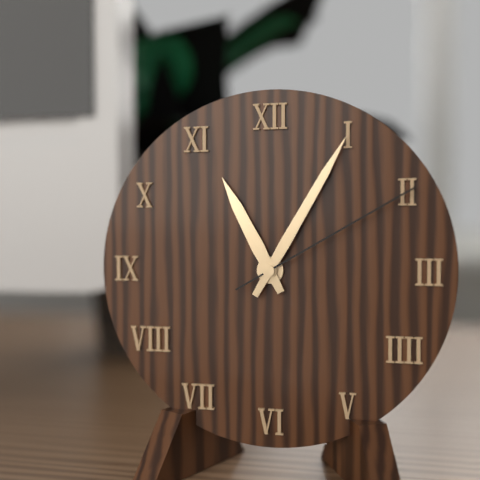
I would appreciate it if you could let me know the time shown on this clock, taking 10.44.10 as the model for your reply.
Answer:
11.05.10
